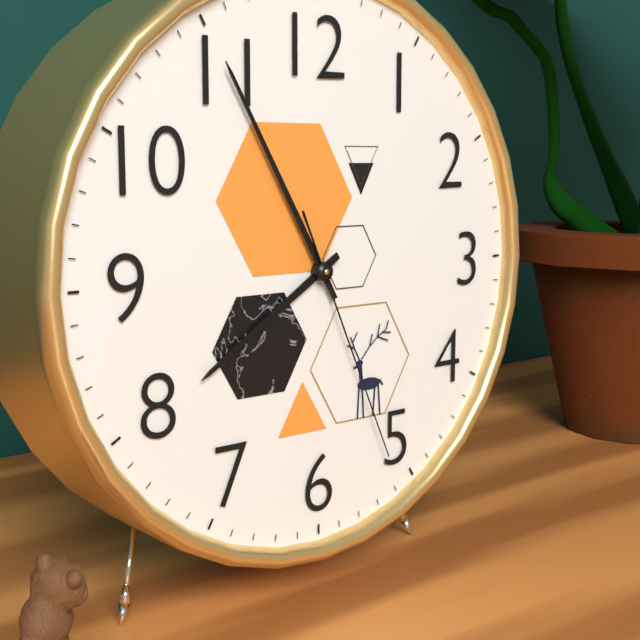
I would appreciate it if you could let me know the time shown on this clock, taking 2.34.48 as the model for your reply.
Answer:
7.55.26
